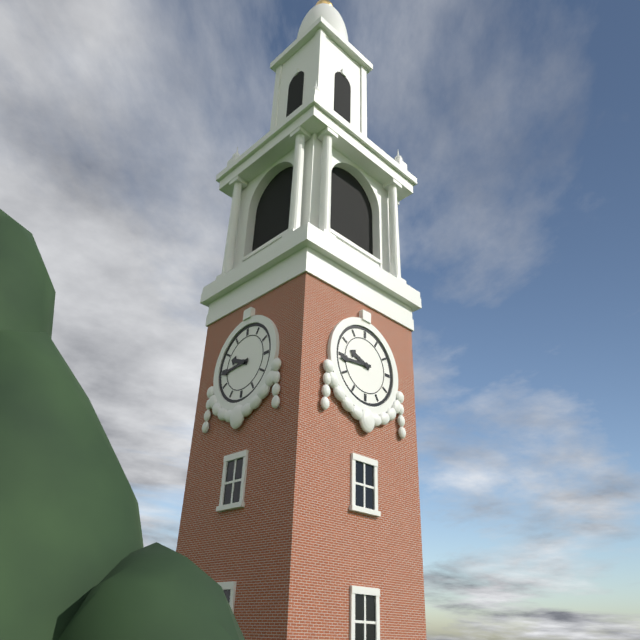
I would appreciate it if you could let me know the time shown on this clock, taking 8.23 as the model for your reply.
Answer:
9.44
